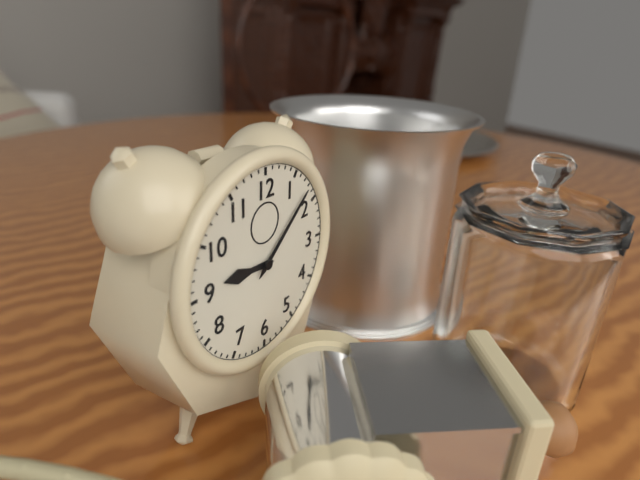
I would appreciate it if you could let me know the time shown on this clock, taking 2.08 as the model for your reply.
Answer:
9.08
